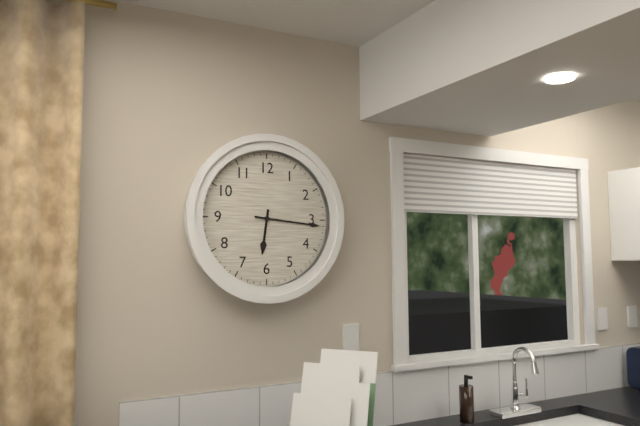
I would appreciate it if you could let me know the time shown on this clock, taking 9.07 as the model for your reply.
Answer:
6.16
